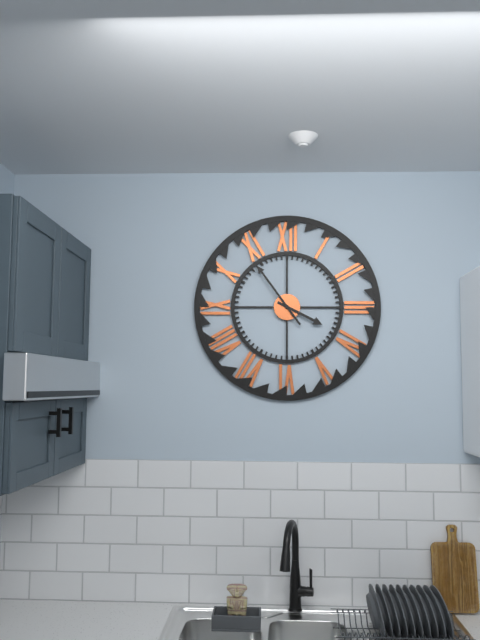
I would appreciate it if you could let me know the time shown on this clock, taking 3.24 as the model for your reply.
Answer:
3.54
